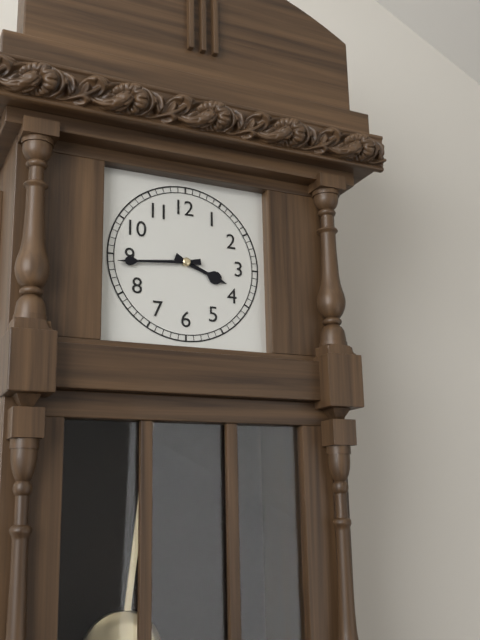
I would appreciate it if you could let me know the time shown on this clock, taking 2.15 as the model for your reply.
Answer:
3.44
